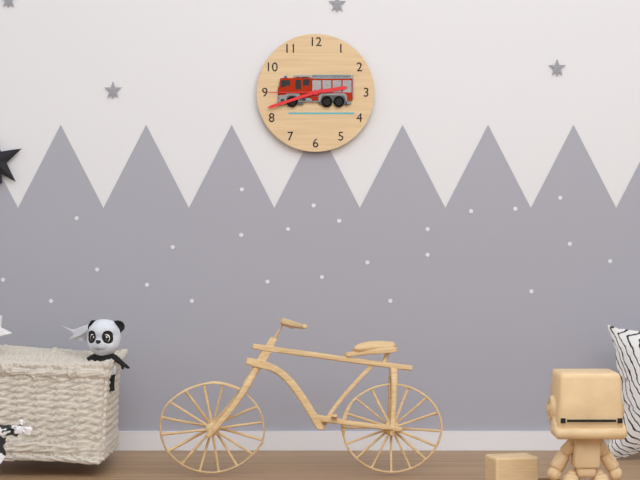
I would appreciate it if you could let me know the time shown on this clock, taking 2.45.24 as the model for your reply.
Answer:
2.42.45
